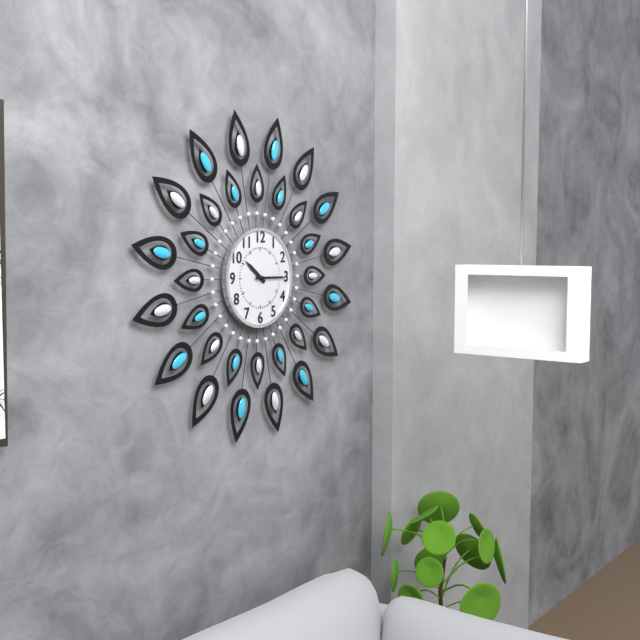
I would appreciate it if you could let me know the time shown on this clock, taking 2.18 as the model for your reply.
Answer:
10.15
